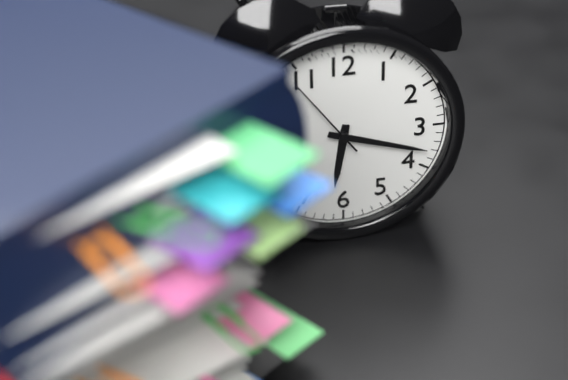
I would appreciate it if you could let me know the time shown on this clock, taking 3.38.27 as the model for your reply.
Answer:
6.18.54
